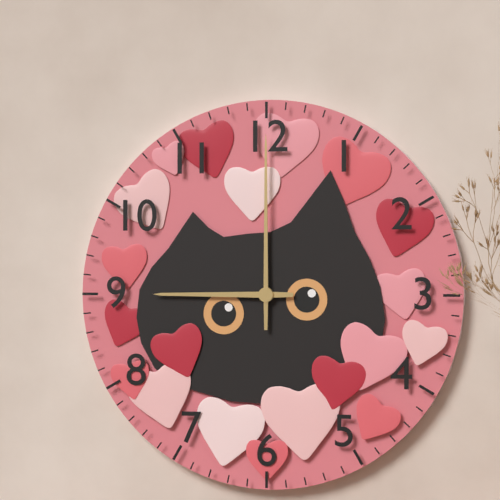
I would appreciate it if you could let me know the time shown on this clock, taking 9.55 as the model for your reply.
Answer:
9.00
